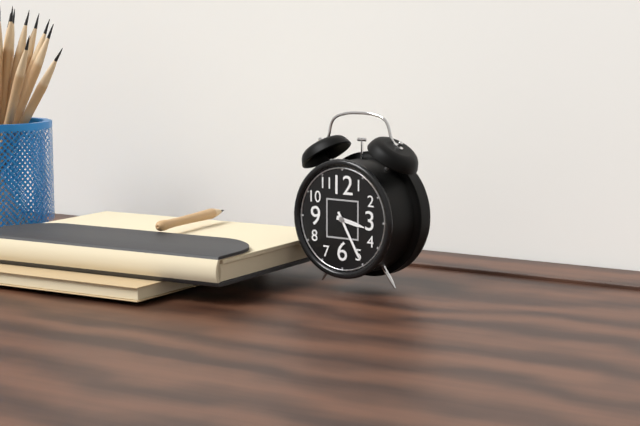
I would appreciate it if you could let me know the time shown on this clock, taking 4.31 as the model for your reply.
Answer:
3.25
